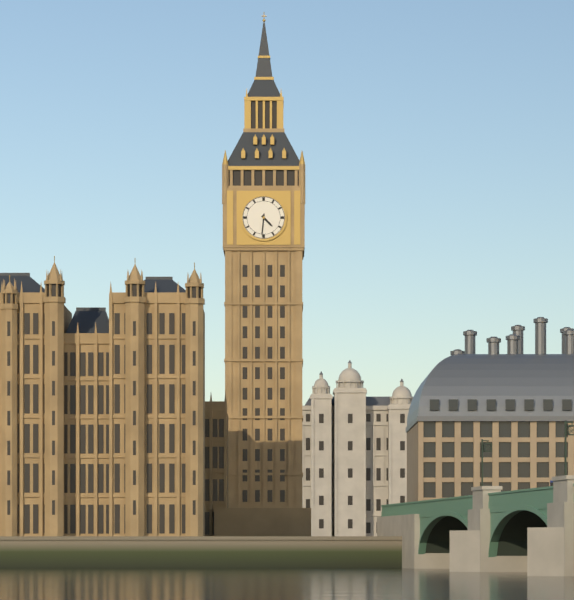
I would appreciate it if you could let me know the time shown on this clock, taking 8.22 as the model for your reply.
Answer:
4.31
